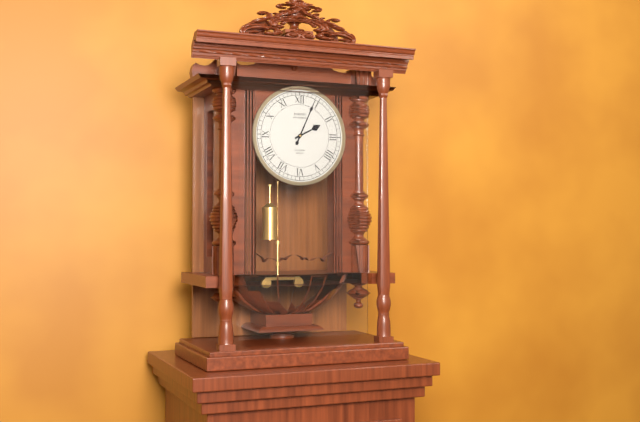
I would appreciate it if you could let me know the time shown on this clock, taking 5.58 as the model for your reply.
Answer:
2.04
